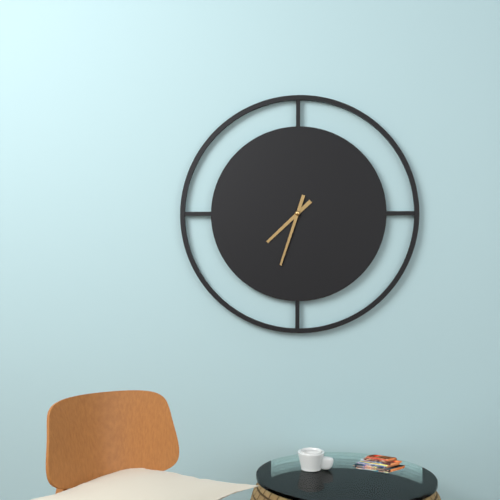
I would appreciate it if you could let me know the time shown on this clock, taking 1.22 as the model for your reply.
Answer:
7.33
